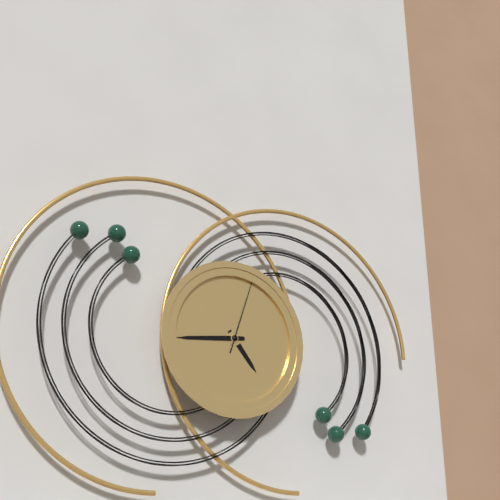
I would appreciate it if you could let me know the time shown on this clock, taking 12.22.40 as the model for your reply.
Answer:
4.44.03
